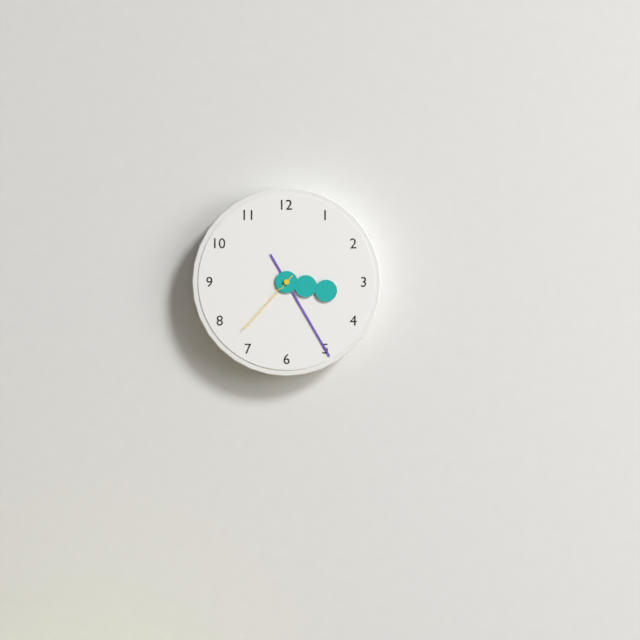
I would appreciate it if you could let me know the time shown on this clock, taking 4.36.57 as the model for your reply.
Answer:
3.25.37
